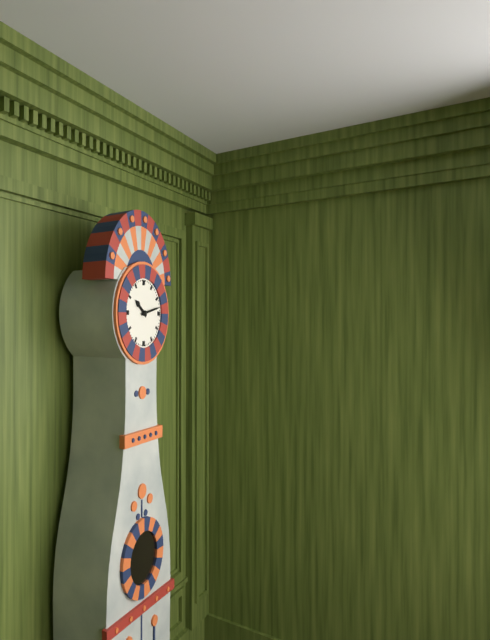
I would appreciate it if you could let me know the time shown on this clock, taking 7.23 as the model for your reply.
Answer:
10.13
